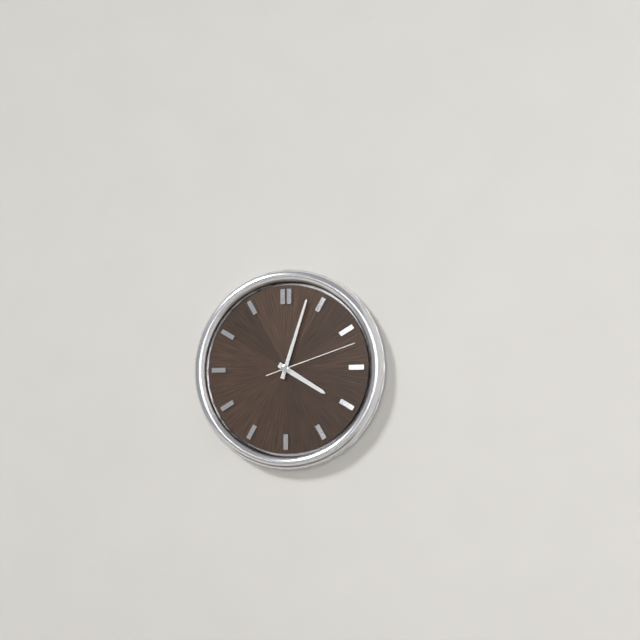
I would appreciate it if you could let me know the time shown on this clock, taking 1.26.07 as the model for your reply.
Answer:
4.03.12
